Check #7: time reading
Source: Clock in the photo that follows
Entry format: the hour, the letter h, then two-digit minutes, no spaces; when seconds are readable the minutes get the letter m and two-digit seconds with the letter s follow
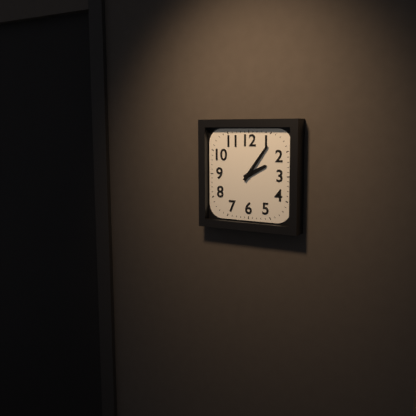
2h06
